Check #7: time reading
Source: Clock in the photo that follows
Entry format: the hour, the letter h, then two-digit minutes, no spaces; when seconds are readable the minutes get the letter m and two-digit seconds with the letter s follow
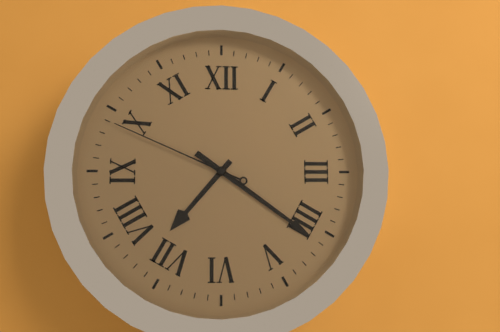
7h21m49s
